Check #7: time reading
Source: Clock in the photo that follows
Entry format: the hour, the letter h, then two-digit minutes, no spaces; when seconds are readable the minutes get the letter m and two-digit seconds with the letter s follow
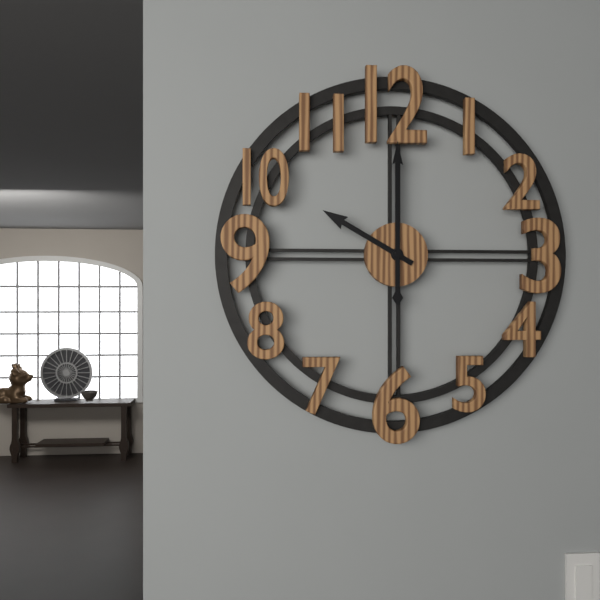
10h00
